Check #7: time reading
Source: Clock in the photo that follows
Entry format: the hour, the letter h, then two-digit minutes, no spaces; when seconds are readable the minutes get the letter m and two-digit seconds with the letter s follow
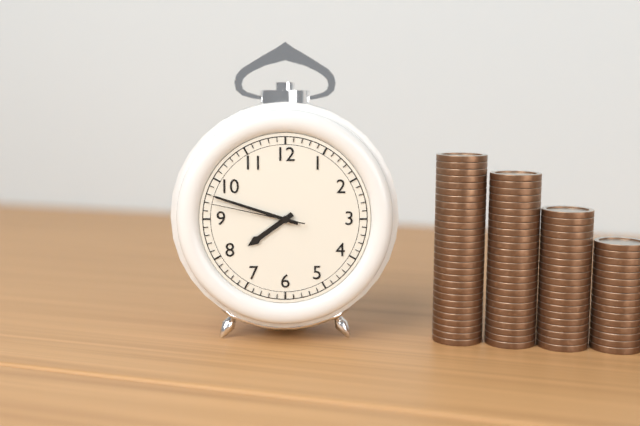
7h48m47s
